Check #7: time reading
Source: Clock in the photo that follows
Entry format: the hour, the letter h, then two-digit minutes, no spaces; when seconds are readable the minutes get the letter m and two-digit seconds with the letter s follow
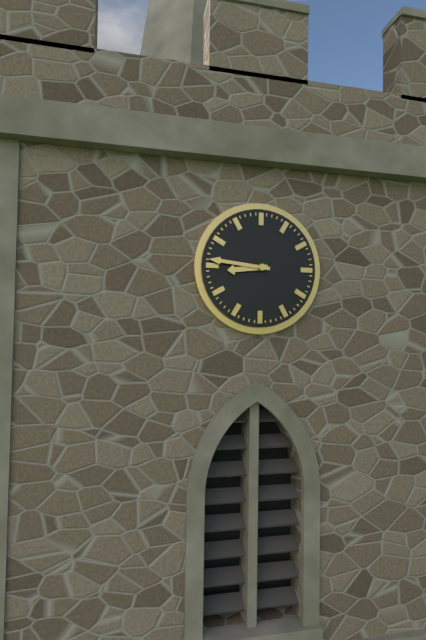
8h46
